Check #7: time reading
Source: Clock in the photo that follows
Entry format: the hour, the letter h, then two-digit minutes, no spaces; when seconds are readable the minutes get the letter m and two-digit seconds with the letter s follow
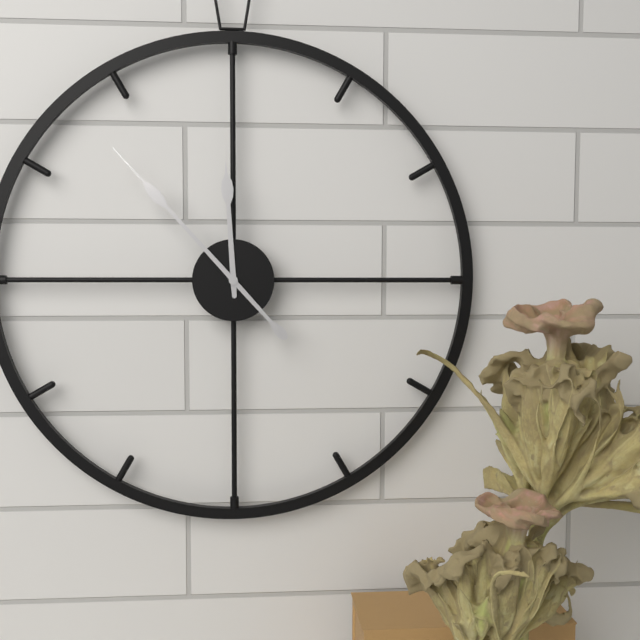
11h53
